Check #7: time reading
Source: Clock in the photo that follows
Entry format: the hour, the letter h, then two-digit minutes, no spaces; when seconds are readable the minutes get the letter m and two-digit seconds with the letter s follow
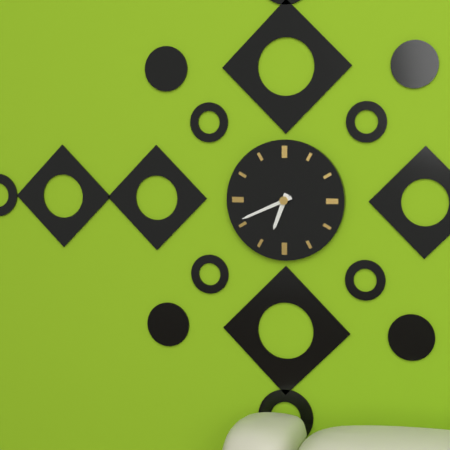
6h41
